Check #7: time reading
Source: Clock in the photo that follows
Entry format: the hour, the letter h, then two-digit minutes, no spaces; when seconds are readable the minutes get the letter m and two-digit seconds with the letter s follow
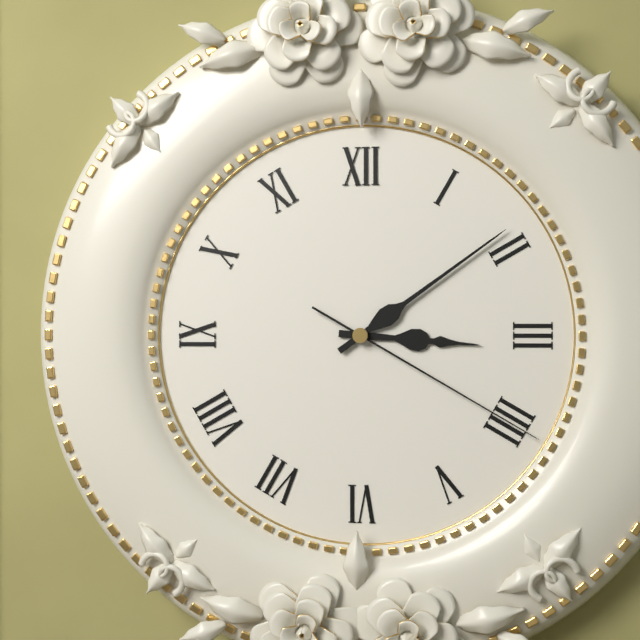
3h09m20s
